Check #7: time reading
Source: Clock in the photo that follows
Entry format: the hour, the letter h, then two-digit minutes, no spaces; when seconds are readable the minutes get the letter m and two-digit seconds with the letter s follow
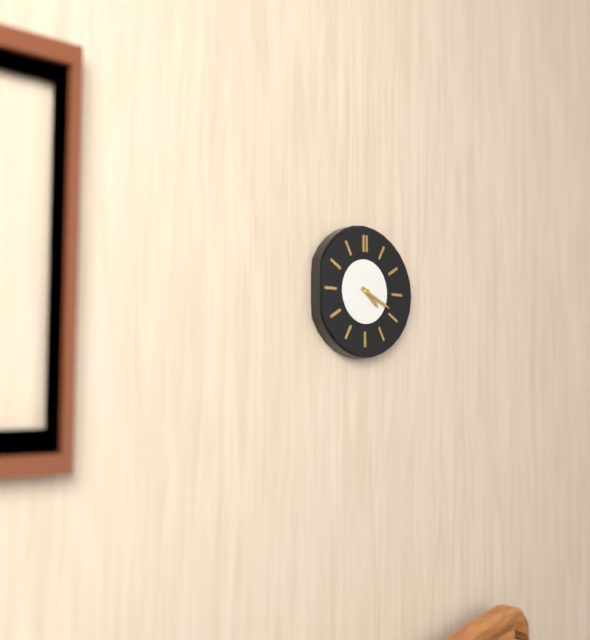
4h19
